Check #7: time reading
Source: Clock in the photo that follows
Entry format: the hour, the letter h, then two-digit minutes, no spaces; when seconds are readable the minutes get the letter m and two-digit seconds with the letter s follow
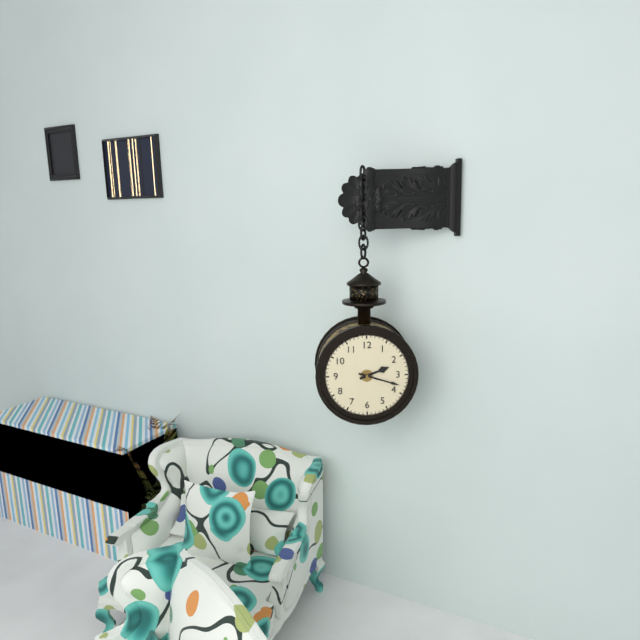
2h18
